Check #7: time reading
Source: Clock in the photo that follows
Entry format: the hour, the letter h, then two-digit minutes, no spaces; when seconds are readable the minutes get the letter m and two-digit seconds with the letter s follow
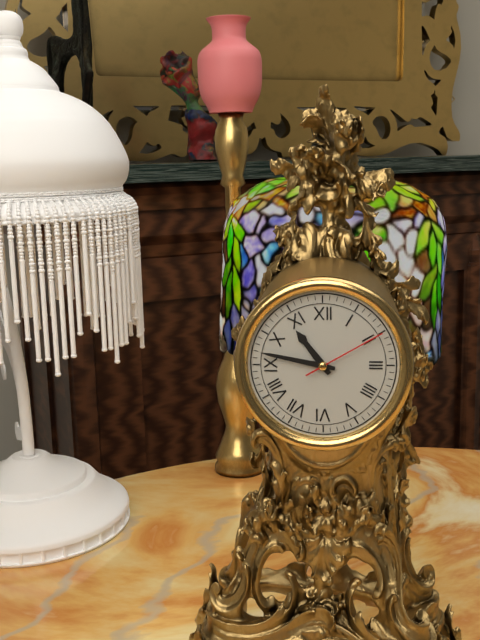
10h47m10s
